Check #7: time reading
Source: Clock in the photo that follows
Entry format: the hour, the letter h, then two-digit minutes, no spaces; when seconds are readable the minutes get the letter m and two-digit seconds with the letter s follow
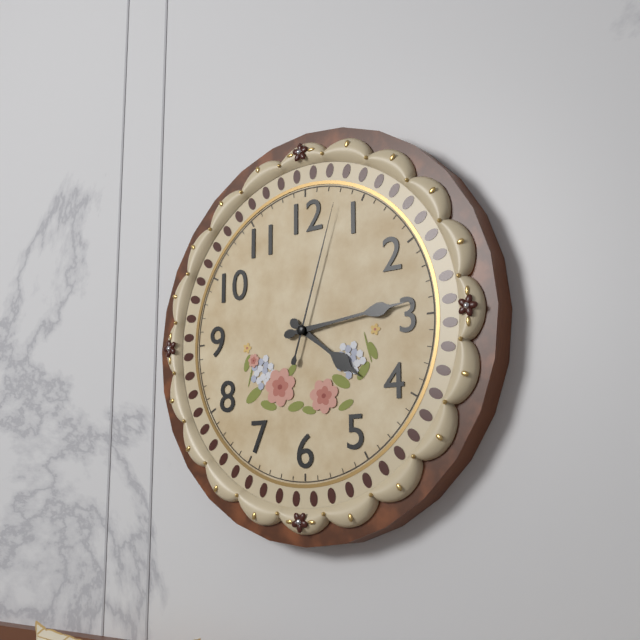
4h14m03s
